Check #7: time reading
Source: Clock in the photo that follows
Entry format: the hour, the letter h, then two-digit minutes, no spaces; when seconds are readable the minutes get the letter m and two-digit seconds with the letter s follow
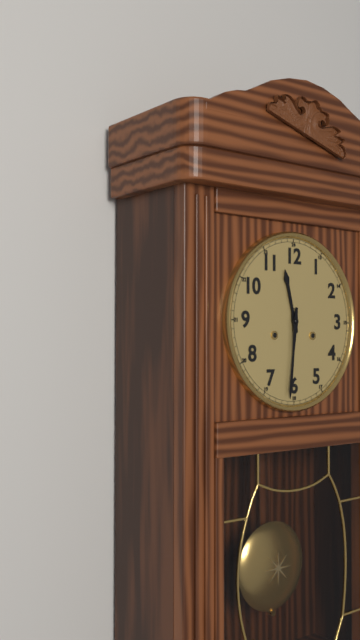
11h31
